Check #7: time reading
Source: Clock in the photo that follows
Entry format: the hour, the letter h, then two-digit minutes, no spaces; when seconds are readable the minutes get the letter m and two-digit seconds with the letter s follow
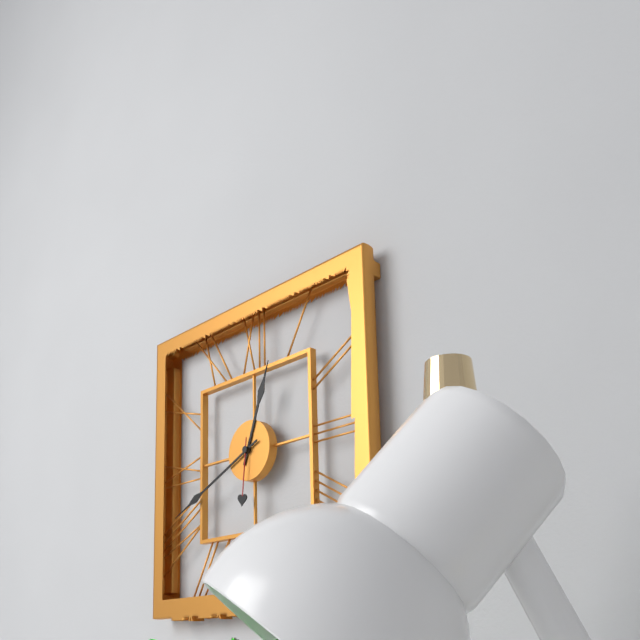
12h41m31s
